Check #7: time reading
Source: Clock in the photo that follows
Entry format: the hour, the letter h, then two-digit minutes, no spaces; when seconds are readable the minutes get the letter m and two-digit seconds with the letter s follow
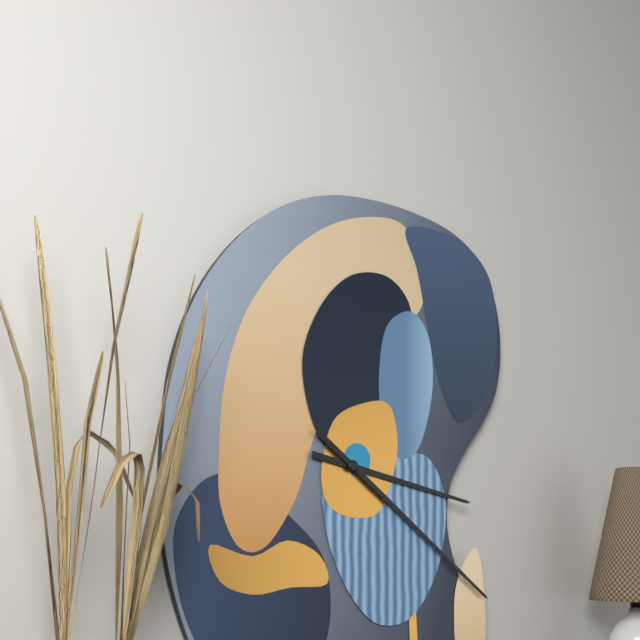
3h21
